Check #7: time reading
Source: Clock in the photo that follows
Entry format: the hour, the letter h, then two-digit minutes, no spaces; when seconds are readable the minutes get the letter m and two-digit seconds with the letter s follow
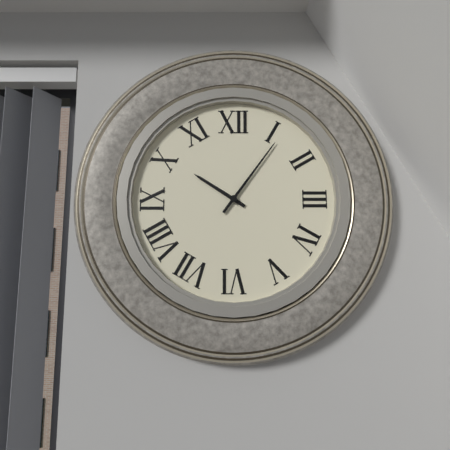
10h06
